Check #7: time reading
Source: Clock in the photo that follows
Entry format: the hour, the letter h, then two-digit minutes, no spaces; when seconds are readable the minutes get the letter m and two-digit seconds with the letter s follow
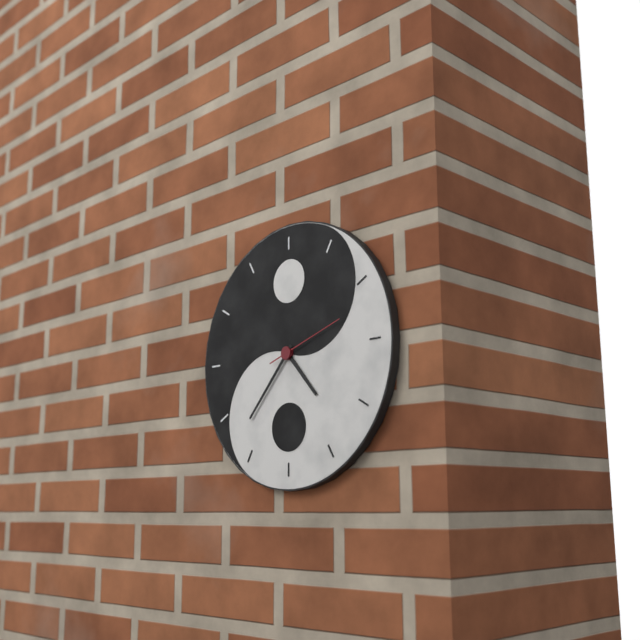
4h37m12s
